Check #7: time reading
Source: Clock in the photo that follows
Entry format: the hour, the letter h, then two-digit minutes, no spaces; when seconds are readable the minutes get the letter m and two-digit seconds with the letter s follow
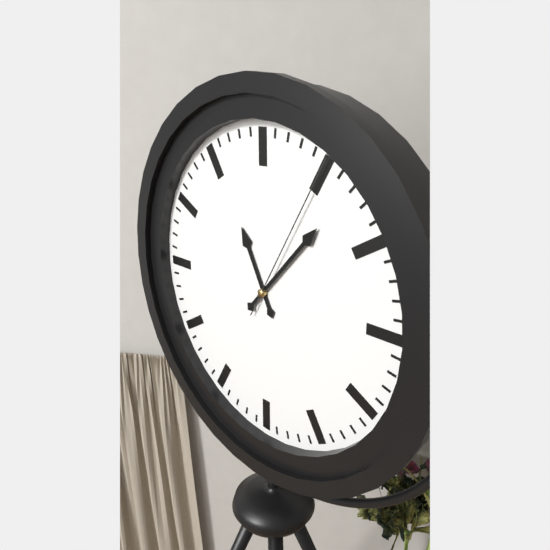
11h07m05s
